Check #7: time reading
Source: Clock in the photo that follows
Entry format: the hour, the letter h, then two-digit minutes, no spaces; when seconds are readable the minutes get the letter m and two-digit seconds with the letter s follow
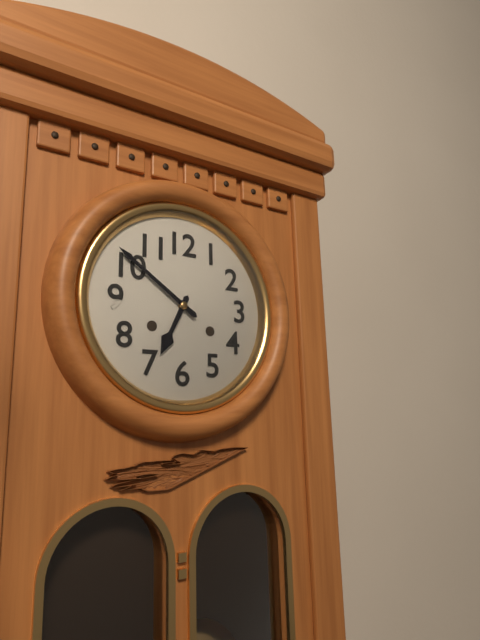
6h51
